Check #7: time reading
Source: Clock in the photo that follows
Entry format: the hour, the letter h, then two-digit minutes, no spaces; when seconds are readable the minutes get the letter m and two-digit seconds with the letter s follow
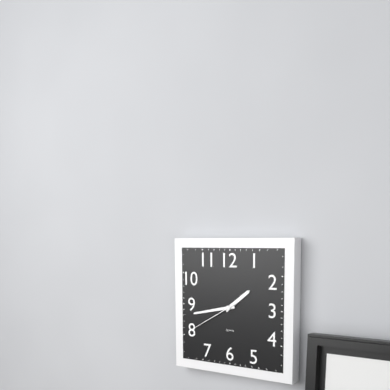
1h43m40s
